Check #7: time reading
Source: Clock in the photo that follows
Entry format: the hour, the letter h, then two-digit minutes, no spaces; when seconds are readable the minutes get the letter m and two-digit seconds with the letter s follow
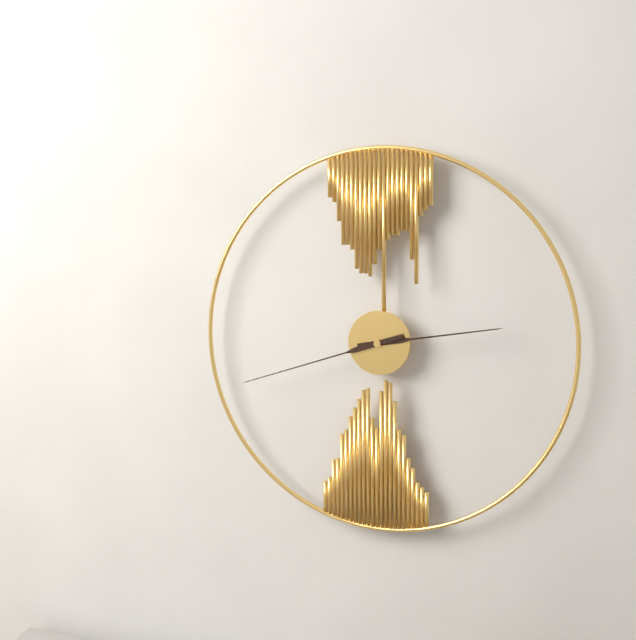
2h42
